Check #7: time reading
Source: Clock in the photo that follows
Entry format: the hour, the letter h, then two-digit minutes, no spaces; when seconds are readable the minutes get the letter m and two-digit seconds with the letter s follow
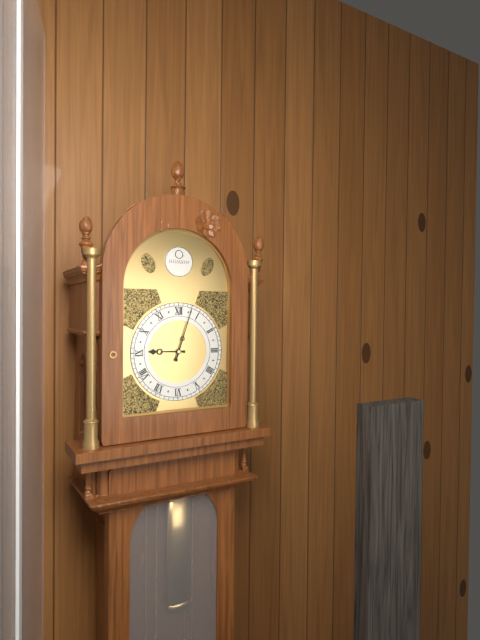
9h03
